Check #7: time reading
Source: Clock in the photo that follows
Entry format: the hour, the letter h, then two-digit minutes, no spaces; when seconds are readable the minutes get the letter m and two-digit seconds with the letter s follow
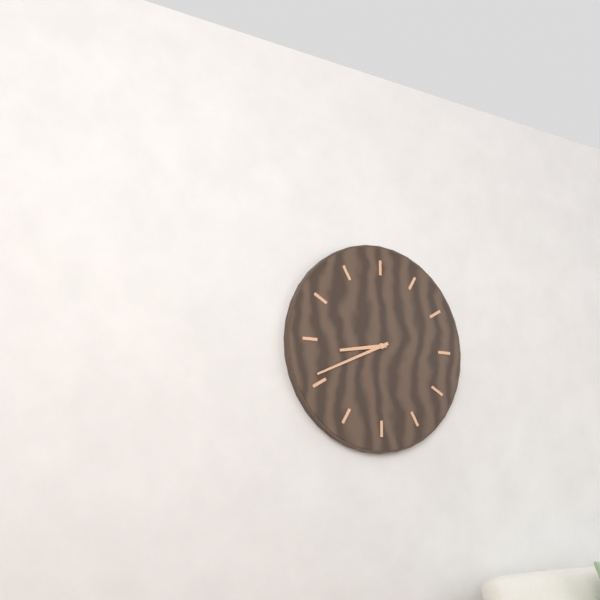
8h41
